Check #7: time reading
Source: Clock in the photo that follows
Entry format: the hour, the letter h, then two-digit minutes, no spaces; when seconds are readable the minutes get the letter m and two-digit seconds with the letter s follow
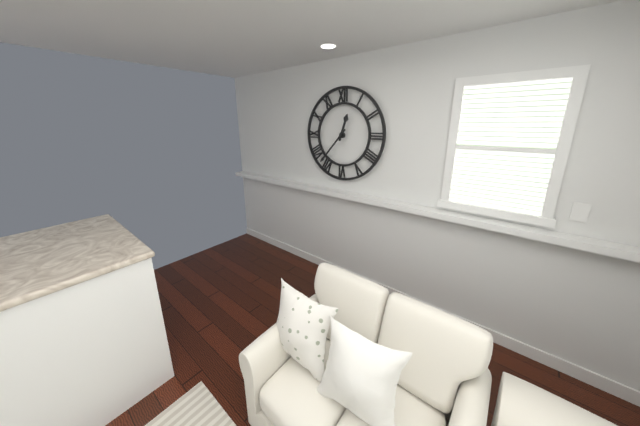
12h37
